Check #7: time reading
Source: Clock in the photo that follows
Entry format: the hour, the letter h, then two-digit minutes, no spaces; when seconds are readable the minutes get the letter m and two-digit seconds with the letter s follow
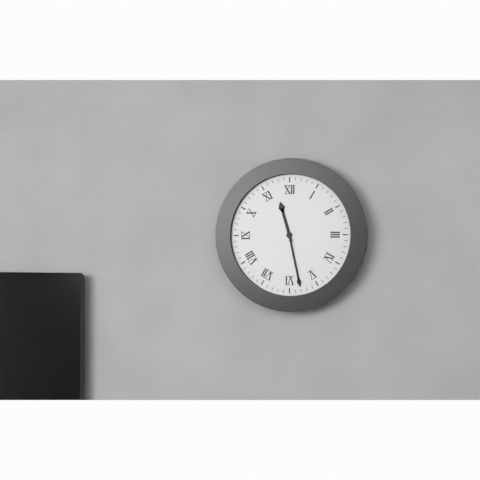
11h28
